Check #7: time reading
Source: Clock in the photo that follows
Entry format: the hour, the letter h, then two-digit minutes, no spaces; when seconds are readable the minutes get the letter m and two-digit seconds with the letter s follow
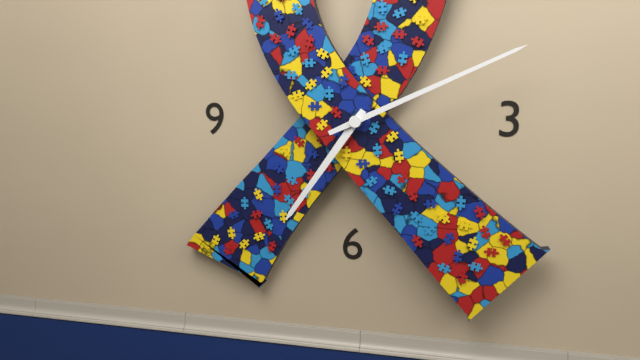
7h11
